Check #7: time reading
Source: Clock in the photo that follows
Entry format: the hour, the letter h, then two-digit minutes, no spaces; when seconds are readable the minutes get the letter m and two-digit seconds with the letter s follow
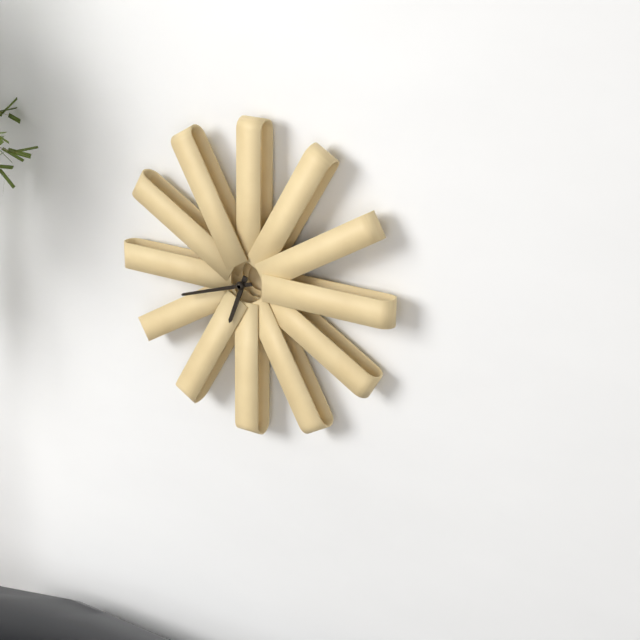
6h42
